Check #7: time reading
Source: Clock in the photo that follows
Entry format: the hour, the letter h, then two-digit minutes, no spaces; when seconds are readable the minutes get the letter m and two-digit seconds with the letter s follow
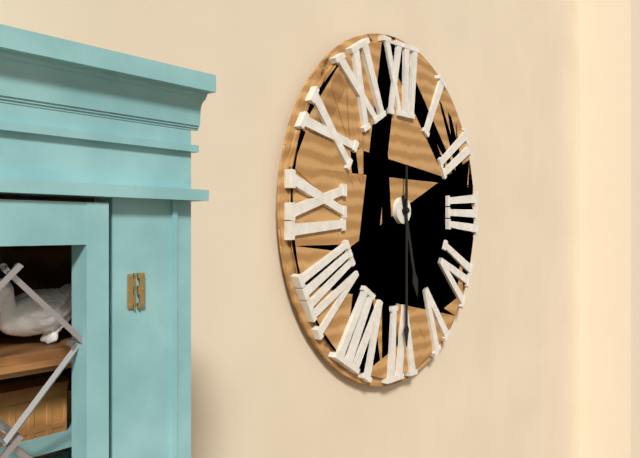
5h30
